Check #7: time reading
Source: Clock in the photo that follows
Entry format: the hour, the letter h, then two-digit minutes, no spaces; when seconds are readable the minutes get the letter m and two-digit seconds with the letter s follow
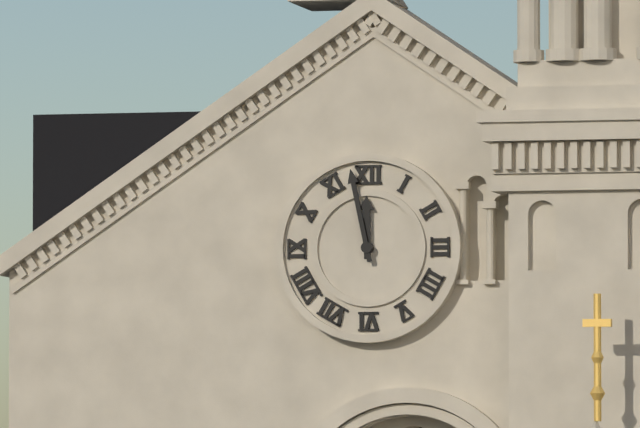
11h58
